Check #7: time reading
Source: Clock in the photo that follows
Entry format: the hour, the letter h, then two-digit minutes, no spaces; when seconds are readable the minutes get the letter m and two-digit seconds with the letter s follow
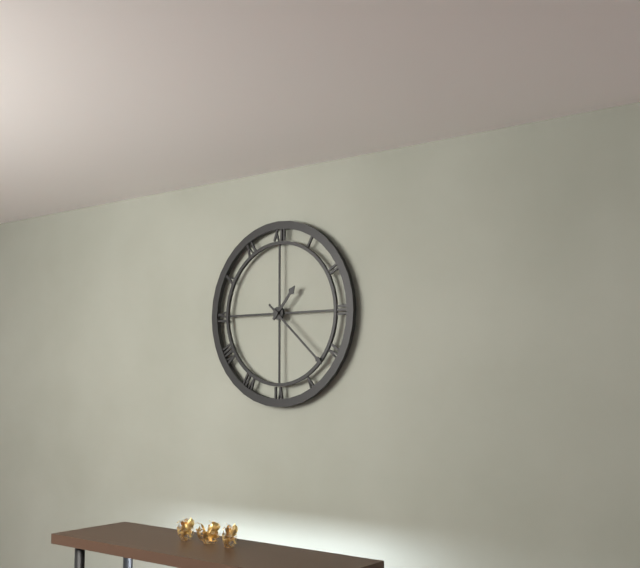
1h22
